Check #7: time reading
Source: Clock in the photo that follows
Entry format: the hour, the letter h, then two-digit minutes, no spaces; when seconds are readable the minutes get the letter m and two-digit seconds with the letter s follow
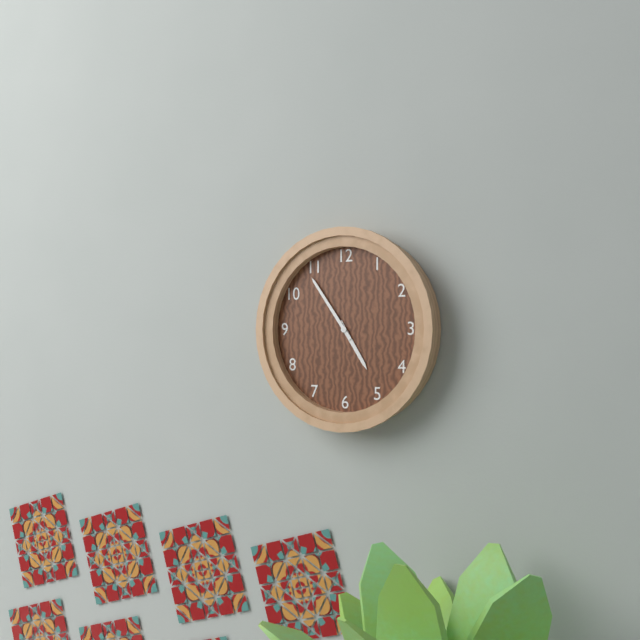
4h54
